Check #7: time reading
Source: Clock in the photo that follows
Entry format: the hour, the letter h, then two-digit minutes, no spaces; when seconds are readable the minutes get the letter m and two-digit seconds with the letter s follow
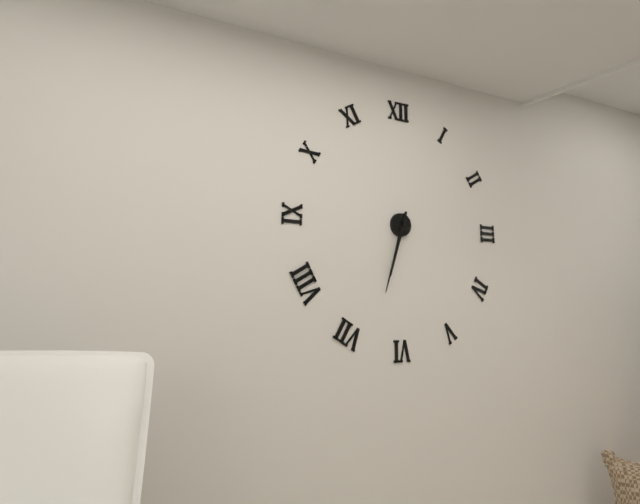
6h33
